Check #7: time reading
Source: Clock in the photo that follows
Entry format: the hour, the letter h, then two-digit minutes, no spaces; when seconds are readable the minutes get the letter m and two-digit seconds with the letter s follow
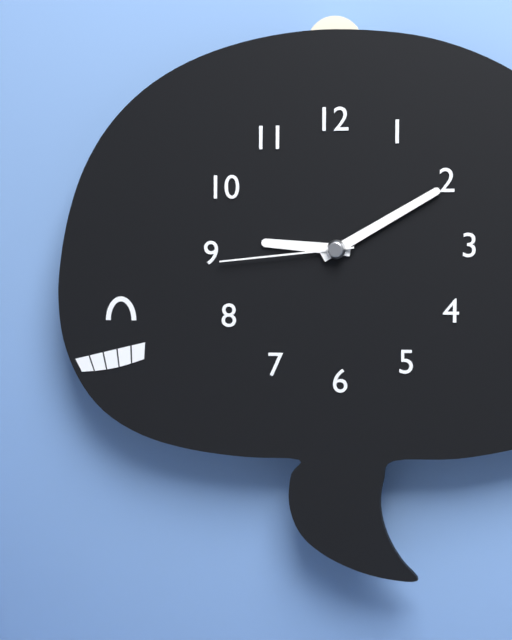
9h10m44s
